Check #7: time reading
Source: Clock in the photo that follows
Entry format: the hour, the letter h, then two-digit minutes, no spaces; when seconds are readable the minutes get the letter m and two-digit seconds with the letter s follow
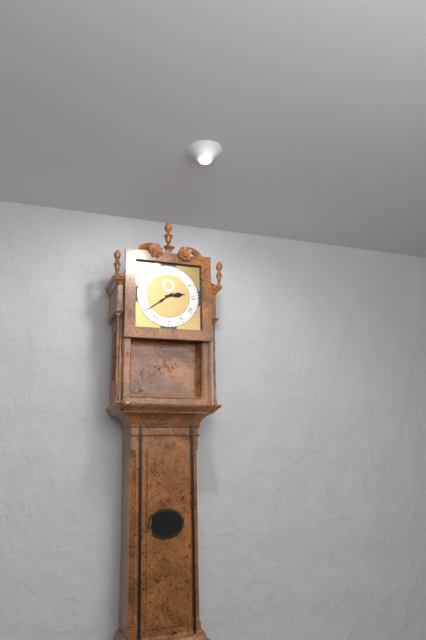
2h39
